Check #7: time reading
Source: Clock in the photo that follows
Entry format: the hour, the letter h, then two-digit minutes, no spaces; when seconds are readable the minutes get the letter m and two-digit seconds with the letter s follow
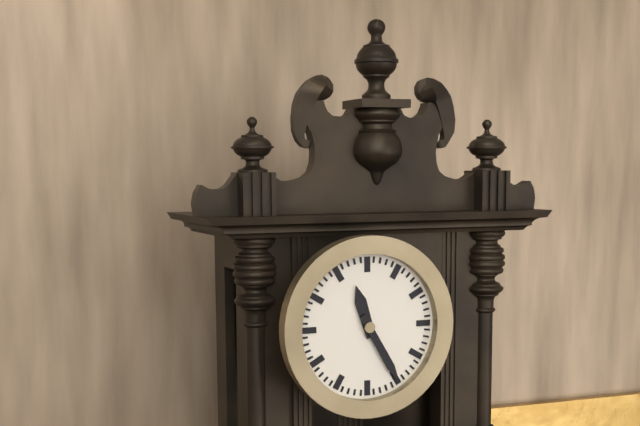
11h25
